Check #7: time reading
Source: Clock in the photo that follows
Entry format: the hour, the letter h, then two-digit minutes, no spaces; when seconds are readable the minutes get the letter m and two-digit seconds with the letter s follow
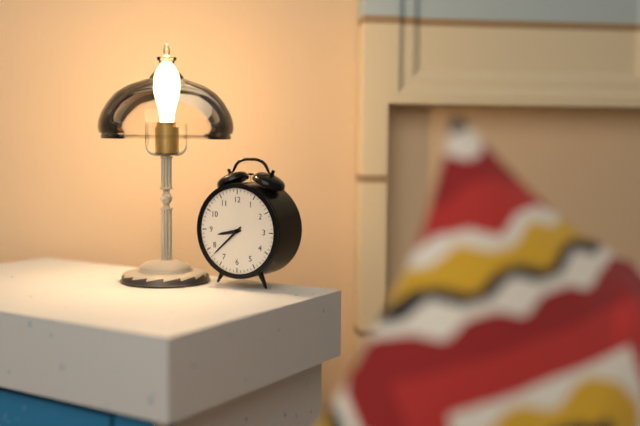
8h38
